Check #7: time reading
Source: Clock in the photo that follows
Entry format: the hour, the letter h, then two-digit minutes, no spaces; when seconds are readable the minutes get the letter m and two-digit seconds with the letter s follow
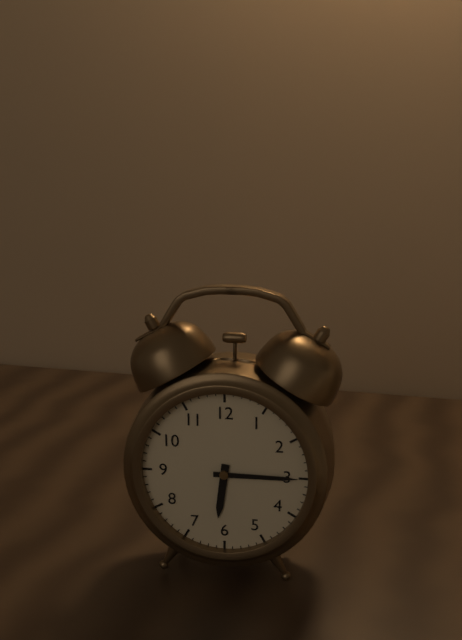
6h15
